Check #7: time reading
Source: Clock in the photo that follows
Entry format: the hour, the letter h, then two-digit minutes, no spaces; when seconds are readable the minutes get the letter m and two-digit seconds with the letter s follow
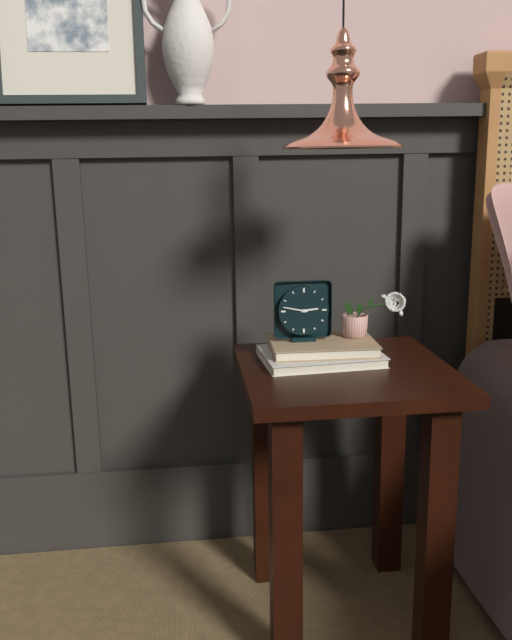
2h47
